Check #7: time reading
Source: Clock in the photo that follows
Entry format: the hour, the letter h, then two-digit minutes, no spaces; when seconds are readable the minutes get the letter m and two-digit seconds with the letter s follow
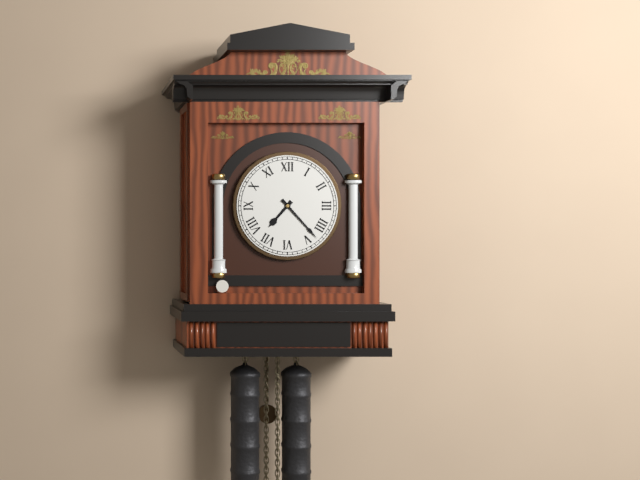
7h23
